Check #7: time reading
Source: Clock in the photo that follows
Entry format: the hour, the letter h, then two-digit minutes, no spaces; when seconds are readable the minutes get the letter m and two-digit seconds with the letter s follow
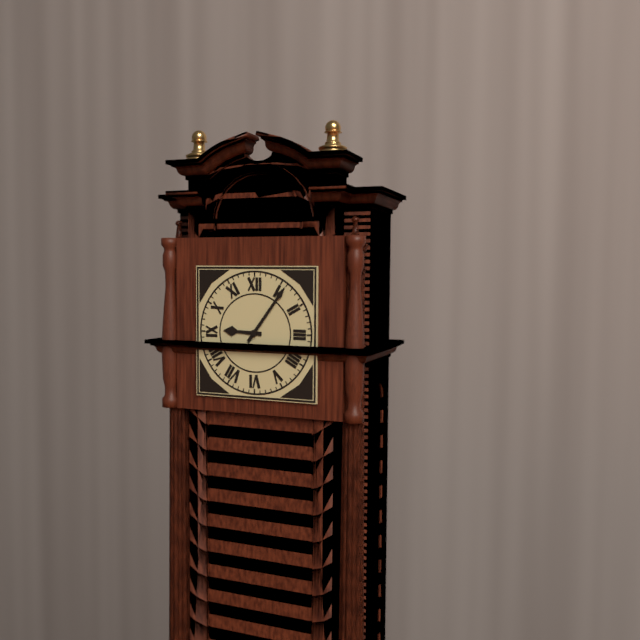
9h06
